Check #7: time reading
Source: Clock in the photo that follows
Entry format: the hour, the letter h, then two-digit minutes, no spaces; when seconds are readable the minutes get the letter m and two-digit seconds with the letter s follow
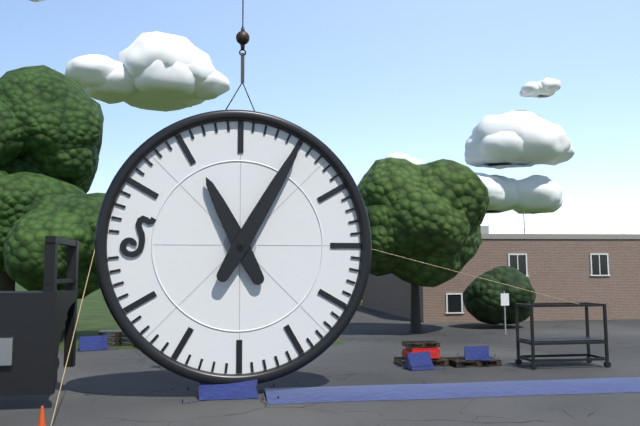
11h05
